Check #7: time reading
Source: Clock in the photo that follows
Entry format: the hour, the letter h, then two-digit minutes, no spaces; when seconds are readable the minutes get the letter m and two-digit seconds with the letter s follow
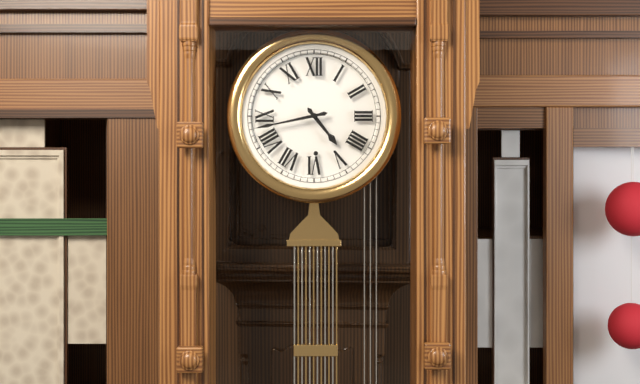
4h43
